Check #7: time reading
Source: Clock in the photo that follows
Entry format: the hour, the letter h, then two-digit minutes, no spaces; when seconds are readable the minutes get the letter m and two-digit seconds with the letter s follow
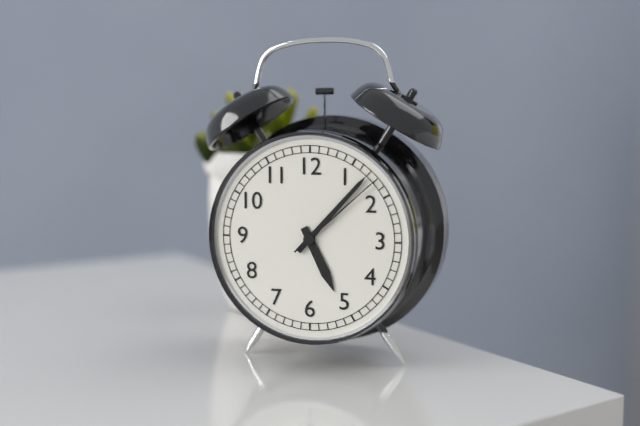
5h07m08s
